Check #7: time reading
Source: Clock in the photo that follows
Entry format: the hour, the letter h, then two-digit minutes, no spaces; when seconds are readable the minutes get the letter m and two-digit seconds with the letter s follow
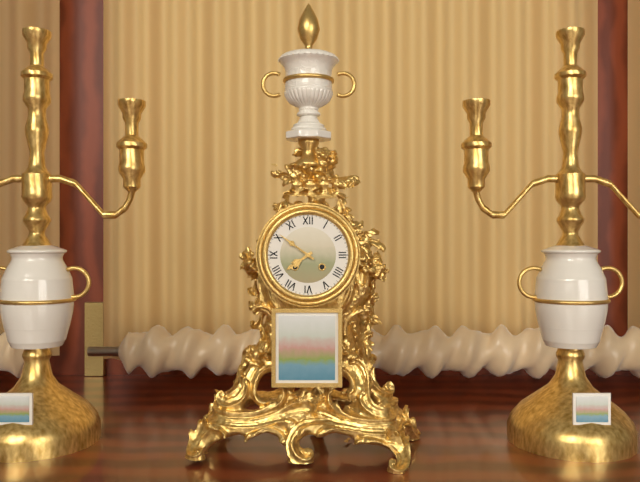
7h51
